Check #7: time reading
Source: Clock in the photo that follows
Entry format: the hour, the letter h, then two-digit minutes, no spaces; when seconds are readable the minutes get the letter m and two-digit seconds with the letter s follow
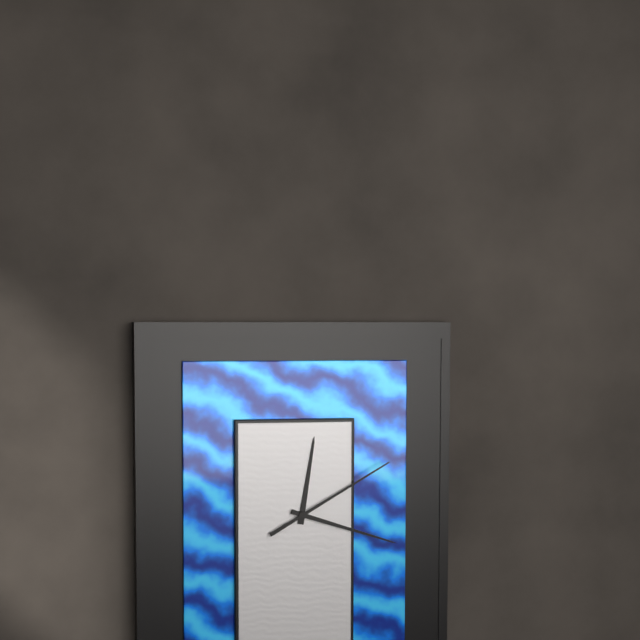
12h18m10s
